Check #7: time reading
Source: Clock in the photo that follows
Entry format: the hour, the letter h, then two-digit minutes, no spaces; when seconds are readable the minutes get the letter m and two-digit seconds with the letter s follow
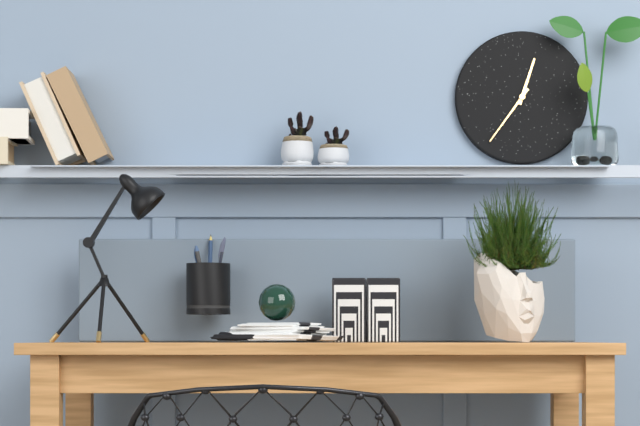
12h36
